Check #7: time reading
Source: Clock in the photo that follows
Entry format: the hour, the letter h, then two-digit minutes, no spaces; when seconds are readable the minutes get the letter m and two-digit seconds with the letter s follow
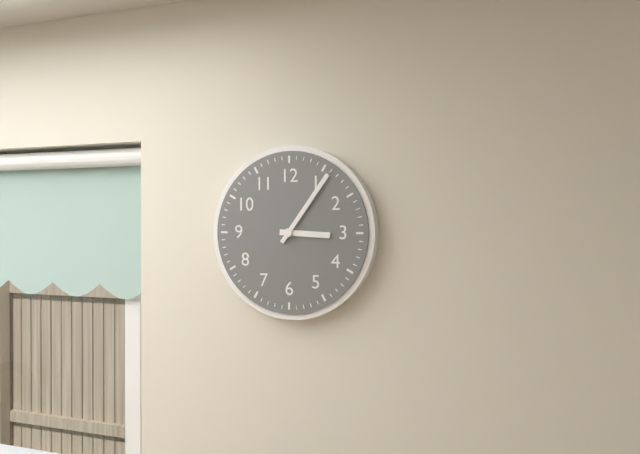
3h06
